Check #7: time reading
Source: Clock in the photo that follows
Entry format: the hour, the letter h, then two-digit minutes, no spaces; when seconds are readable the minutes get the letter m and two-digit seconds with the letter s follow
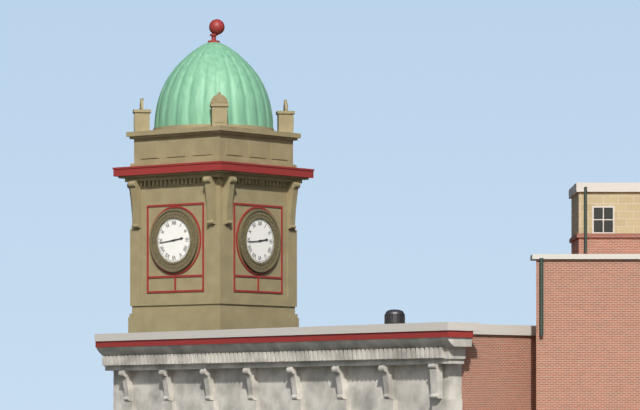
2h44
